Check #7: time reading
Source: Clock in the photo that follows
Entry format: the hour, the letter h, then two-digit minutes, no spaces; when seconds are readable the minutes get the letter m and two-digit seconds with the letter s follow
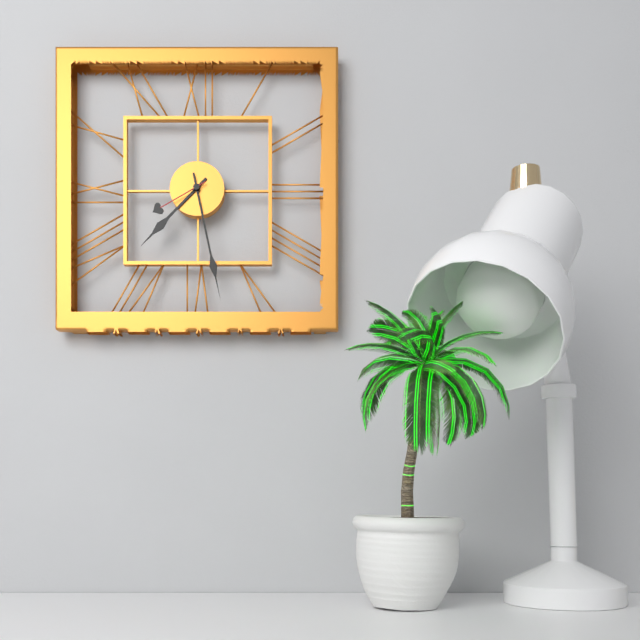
7h28m40s
